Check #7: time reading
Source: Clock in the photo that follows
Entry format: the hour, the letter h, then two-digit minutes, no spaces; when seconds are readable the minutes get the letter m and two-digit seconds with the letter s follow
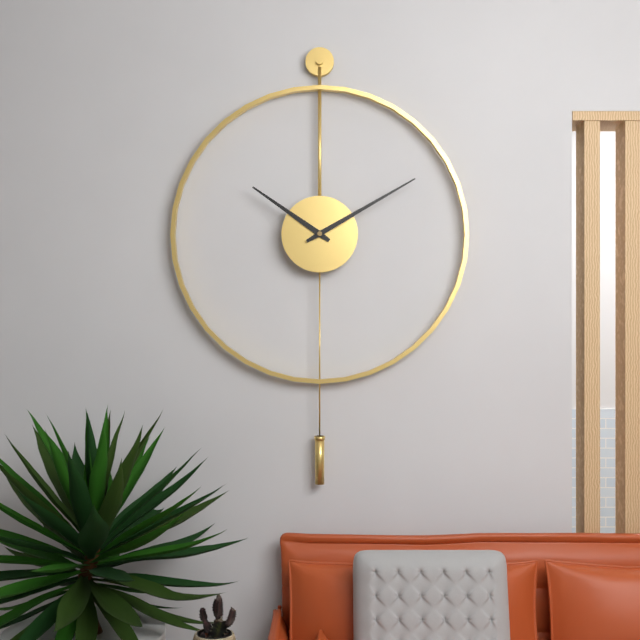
10h10
